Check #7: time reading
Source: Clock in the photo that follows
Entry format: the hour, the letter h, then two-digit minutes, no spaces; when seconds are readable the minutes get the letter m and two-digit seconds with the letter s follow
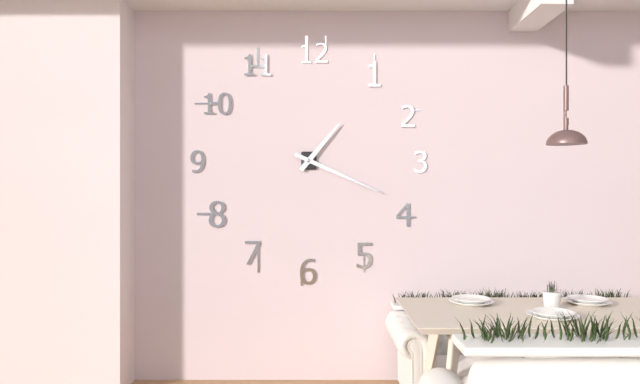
1h19
